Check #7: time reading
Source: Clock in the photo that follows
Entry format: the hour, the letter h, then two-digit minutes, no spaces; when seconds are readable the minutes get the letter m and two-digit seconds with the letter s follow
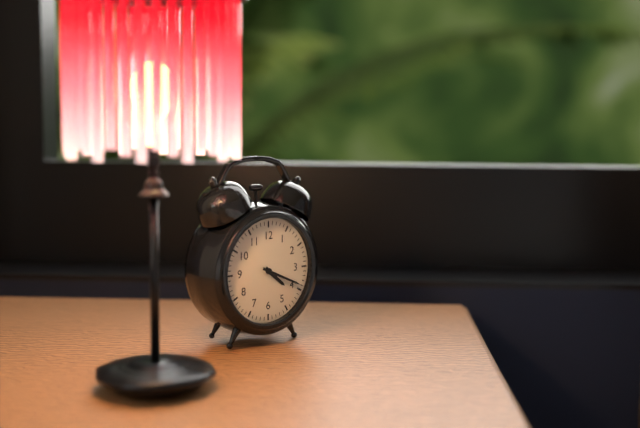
4h19
